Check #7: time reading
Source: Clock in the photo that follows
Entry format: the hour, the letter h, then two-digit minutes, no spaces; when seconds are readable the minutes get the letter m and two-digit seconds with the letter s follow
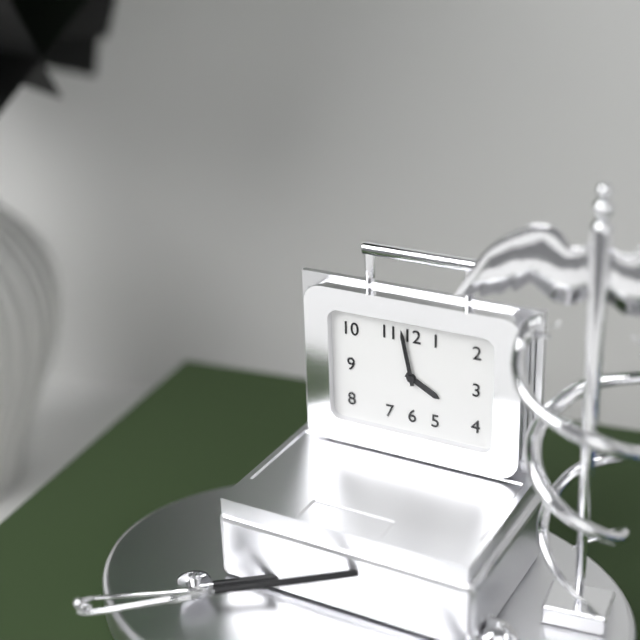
3h58
